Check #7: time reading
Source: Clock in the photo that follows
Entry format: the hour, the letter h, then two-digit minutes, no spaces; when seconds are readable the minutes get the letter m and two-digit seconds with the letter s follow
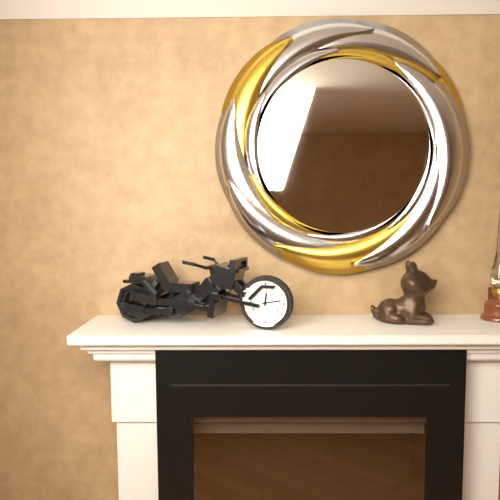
12h13
